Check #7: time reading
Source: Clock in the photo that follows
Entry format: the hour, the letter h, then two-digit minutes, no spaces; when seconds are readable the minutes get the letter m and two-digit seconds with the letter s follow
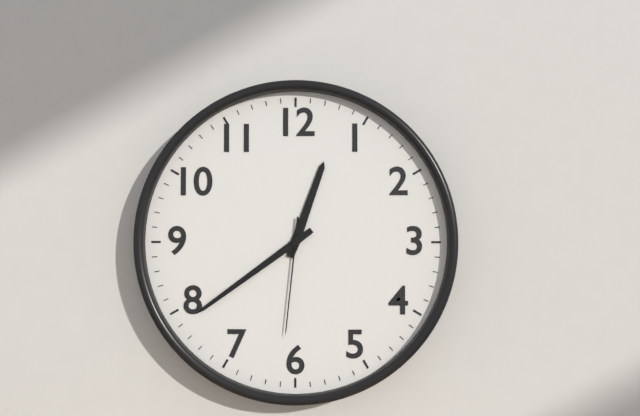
12h39m31s
